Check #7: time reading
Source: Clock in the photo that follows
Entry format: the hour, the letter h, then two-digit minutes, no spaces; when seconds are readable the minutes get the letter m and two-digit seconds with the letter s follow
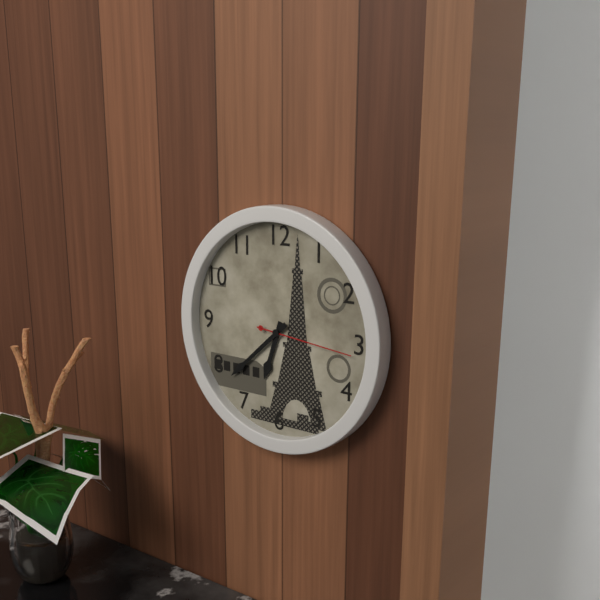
6h38m16s
